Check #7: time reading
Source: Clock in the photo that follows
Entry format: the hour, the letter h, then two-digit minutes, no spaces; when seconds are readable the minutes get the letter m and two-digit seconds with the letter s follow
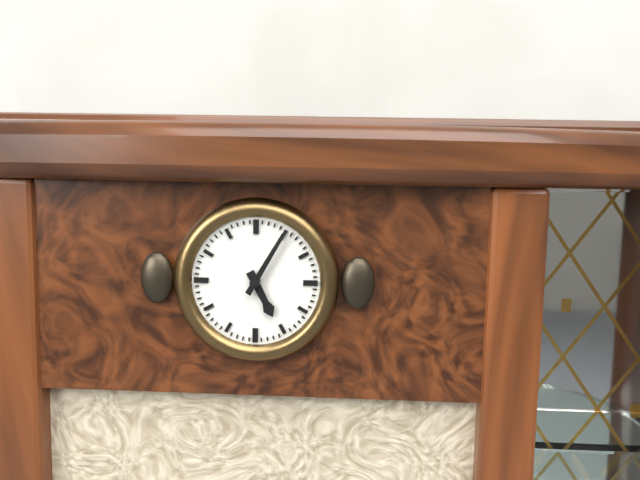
5h05
